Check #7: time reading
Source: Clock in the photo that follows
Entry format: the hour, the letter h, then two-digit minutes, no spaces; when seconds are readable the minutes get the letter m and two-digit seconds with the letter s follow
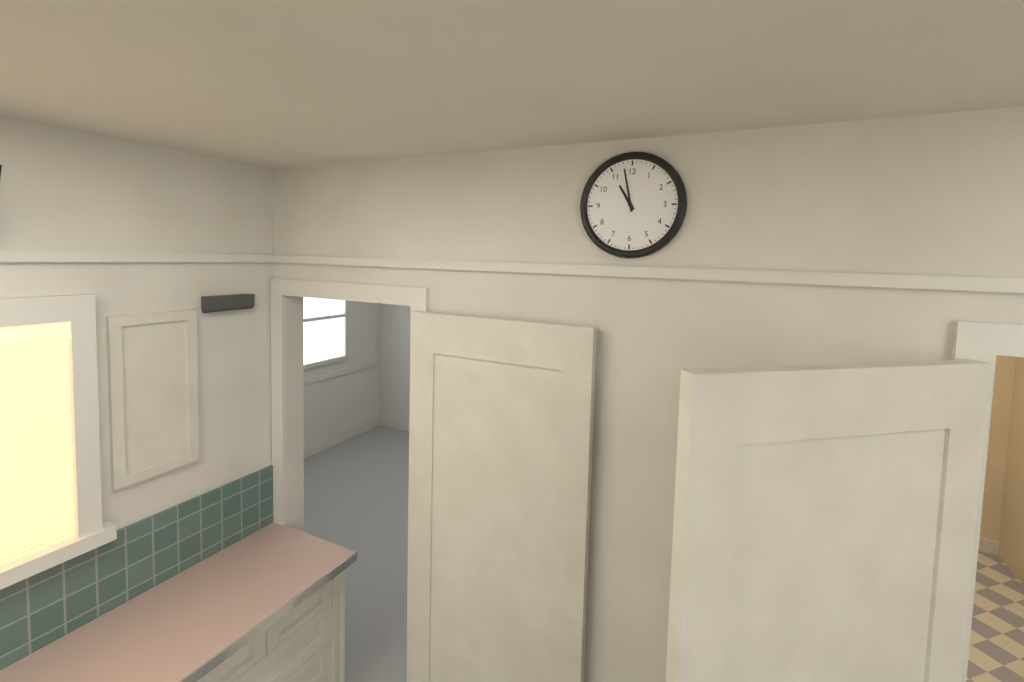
10h58
